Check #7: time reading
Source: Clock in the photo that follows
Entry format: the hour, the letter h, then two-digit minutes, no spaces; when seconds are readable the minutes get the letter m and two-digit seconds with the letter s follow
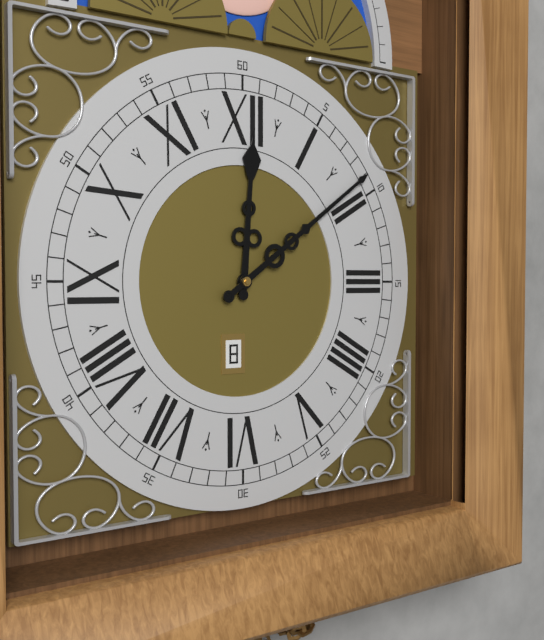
12h09
